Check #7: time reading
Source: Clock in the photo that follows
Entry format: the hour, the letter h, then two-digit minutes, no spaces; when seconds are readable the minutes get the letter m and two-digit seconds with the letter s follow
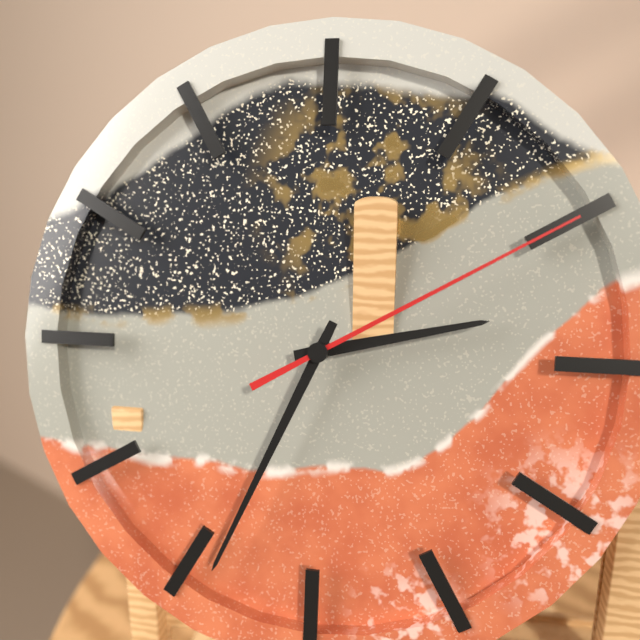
2h34m10s
